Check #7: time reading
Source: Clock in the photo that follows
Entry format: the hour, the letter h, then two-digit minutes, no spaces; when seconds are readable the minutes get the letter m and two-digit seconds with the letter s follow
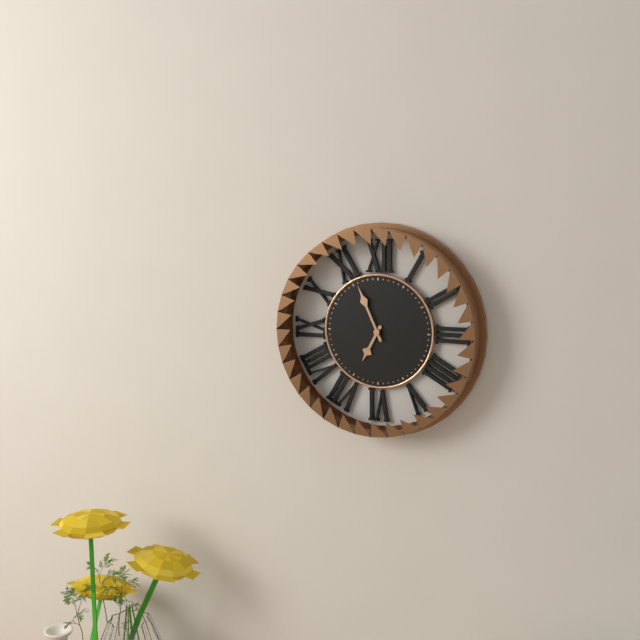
6h56
